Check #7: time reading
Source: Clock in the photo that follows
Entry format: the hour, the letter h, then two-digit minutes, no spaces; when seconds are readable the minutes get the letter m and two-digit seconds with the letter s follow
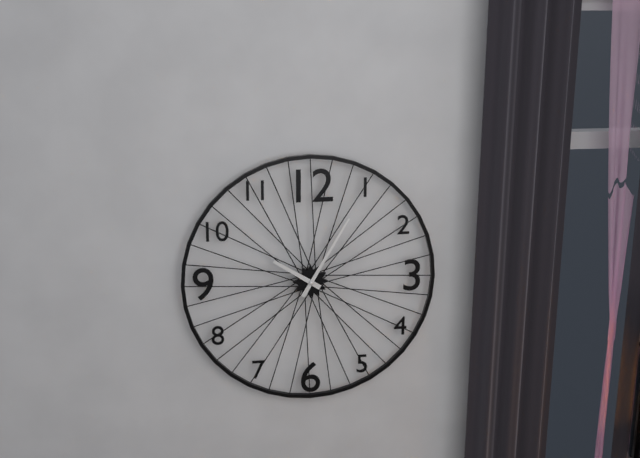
10h05
